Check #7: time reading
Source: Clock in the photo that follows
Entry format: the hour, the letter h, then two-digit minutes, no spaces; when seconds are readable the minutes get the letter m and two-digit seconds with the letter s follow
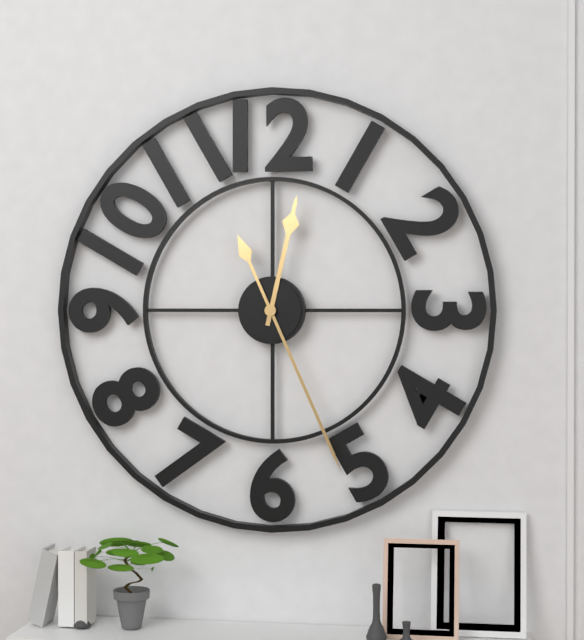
12h26
